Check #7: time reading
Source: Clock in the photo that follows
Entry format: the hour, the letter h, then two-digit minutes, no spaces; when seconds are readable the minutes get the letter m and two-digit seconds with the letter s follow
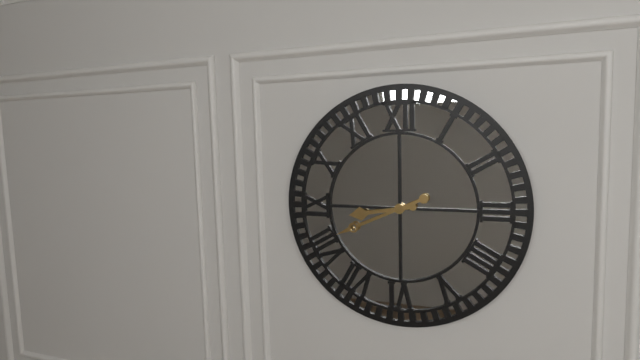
8h41
